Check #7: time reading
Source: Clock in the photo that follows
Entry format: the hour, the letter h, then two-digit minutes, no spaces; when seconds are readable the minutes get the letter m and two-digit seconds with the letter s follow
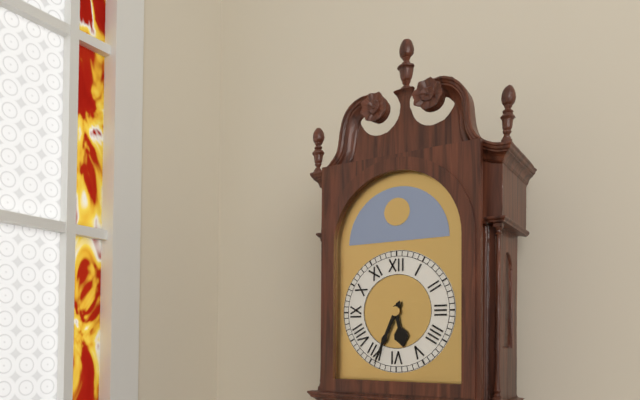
5h34
